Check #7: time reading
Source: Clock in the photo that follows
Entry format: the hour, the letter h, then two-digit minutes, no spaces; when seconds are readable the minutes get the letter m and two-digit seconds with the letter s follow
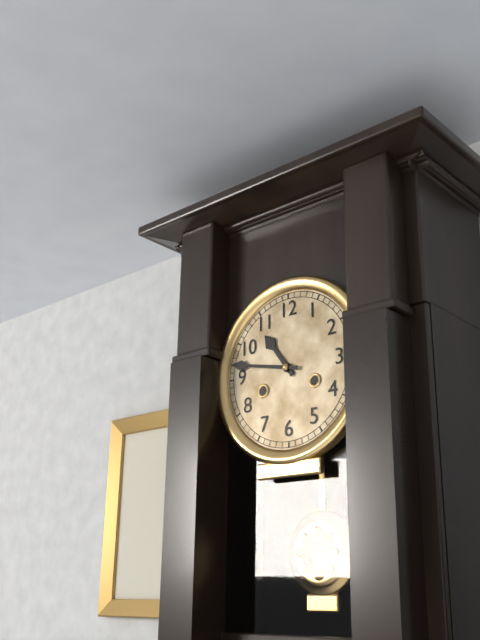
10h47
